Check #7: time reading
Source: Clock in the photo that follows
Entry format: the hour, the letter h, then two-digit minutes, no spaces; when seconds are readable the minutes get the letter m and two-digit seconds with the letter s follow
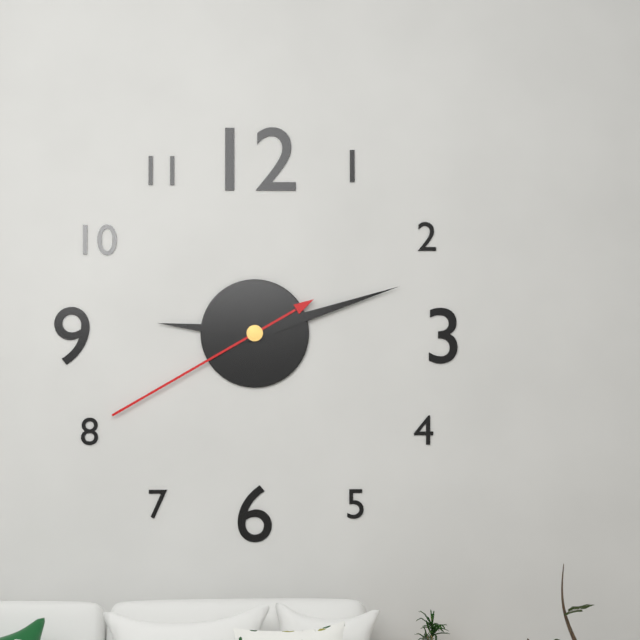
9h12m40s
